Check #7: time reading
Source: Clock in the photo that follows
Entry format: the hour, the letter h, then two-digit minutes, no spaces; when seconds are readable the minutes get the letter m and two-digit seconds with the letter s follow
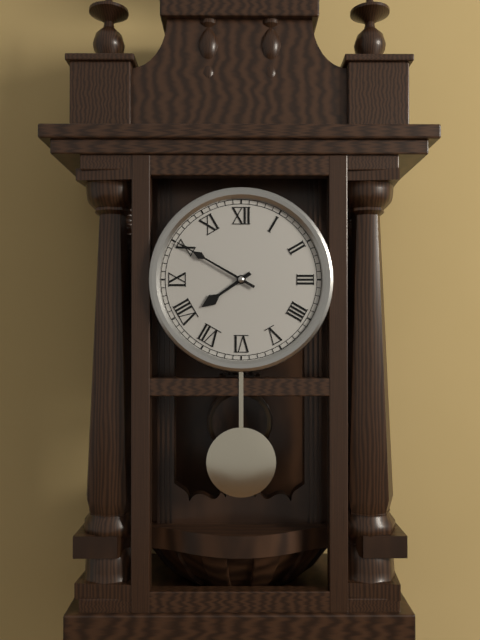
7h50
